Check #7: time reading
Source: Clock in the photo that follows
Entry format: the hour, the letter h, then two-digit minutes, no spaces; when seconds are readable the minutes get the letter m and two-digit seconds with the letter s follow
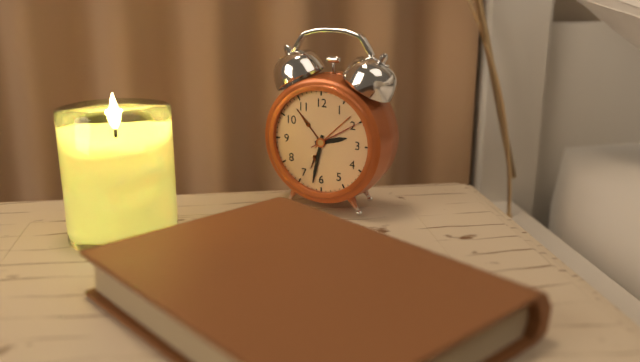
2h32m10s
